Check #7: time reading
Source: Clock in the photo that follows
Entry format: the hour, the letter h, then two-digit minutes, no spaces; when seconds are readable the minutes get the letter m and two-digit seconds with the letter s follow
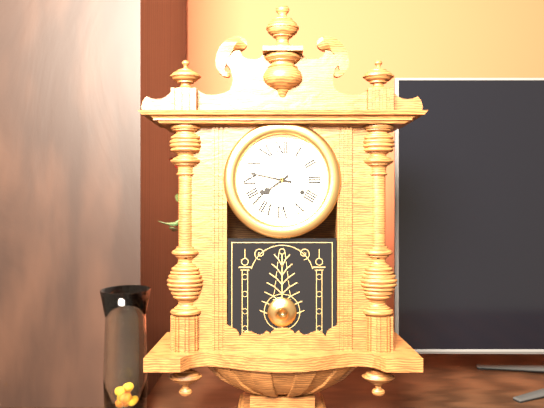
7h47
